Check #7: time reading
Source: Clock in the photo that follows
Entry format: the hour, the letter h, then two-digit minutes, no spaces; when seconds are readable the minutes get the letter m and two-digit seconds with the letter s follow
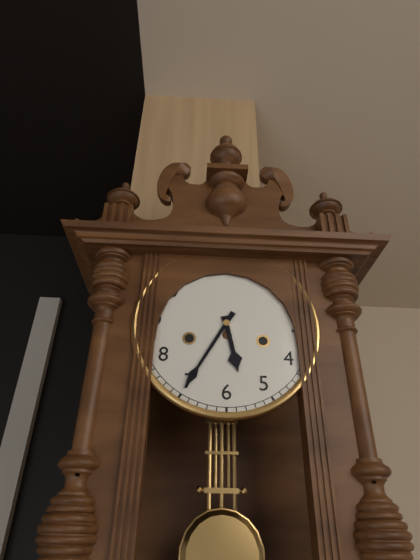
5h35
